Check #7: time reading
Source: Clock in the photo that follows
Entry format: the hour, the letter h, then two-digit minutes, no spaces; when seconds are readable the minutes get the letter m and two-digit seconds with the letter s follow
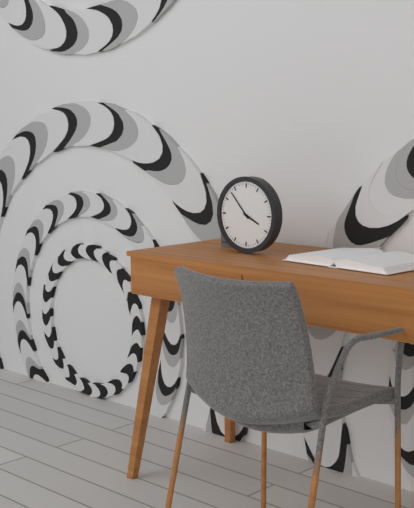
3h53
